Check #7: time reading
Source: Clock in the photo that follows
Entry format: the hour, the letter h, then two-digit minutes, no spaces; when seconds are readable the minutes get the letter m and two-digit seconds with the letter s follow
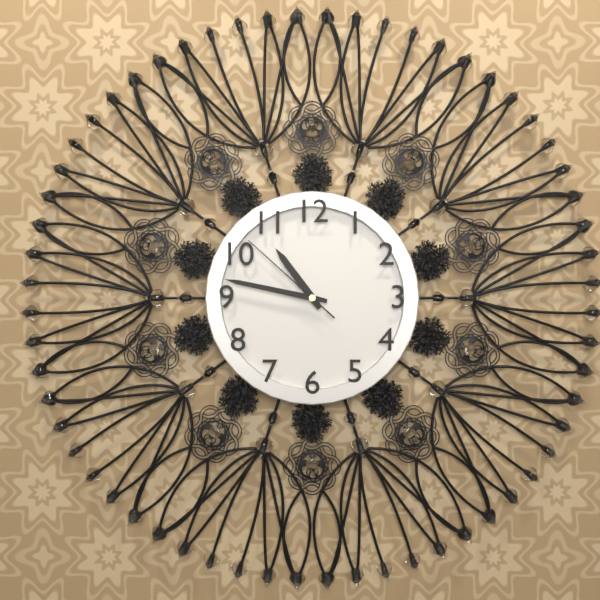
10h47m52s
